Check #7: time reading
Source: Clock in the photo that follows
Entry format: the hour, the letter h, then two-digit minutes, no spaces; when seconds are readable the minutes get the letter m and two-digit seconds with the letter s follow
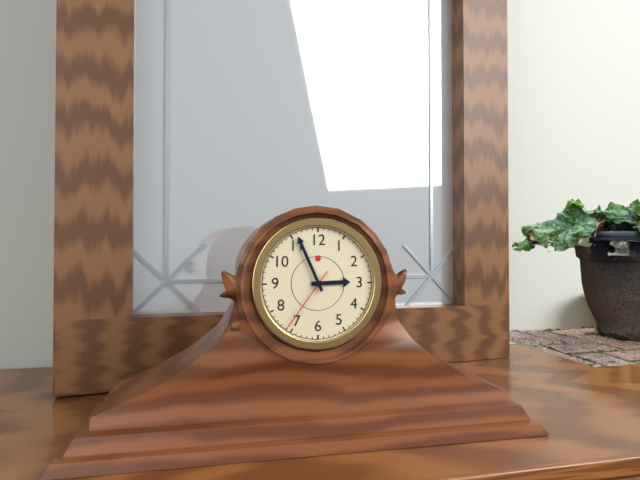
2h56m36s
